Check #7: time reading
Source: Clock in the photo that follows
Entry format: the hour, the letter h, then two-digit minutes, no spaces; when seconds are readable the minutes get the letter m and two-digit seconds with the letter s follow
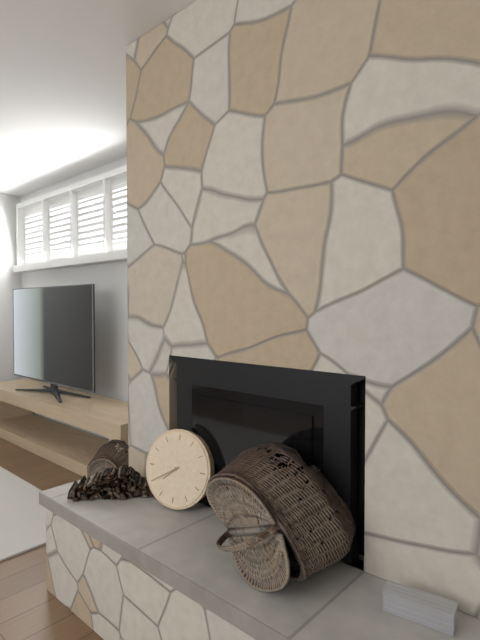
7h40
